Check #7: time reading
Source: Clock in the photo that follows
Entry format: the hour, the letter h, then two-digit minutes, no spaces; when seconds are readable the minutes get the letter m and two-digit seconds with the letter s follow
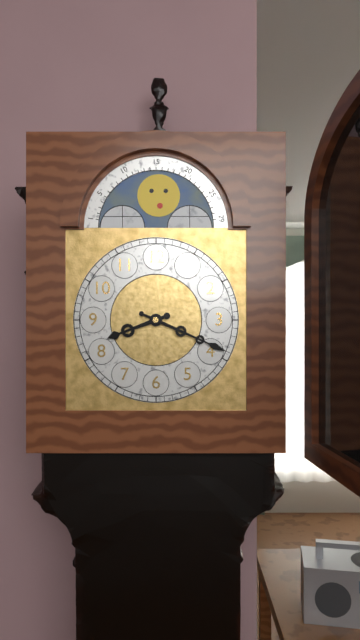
8h19
